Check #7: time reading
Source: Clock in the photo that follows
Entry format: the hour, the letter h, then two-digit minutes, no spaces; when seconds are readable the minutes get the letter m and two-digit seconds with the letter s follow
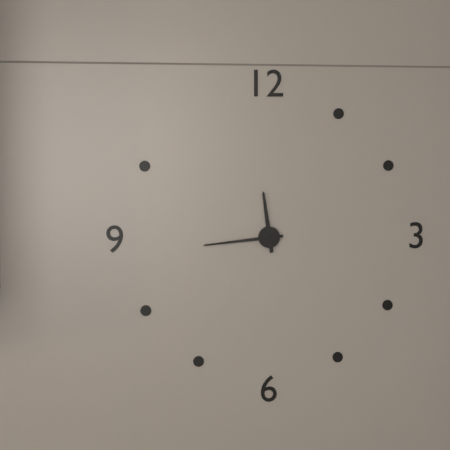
11h44
